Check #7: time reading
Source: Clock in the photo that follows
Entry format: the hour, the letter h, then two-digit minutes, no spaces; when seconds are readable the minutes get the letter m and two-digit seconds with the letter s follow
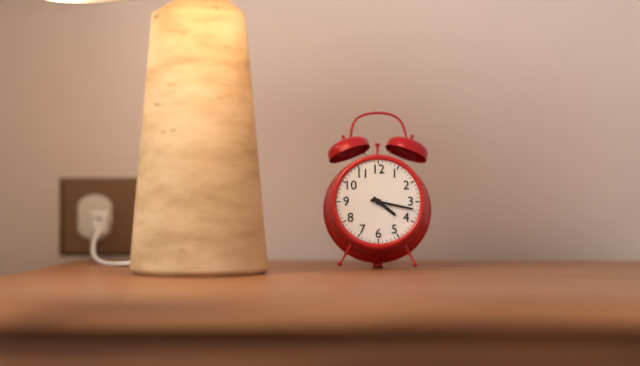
4h17
